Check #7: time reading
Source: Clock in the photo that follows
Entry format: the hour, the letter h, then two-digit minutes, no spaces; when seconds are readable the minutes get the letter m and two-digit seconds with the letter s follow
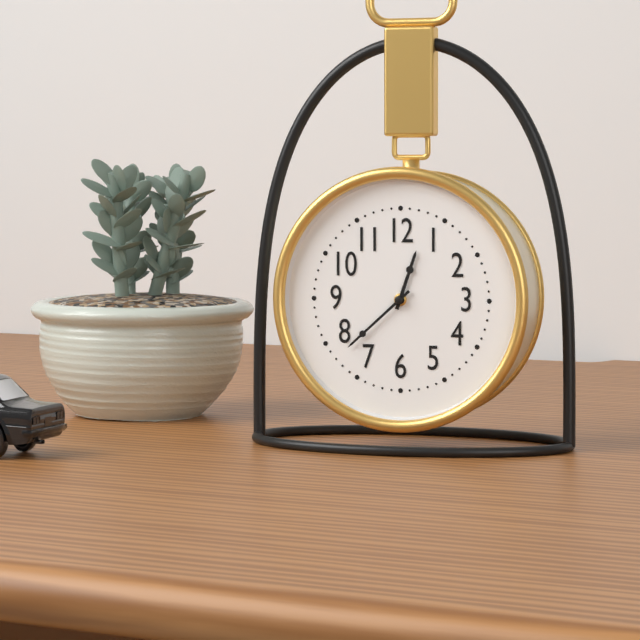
12h38
